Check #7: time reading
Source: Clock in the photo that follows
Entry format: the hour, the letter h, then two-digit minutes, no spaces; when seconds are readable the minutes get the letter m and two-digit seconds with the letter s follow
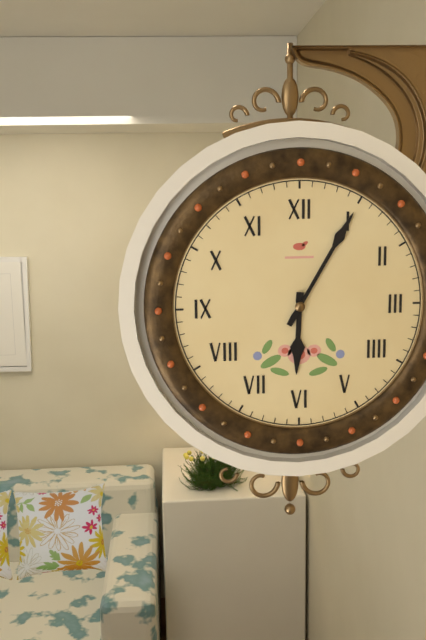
6h05
